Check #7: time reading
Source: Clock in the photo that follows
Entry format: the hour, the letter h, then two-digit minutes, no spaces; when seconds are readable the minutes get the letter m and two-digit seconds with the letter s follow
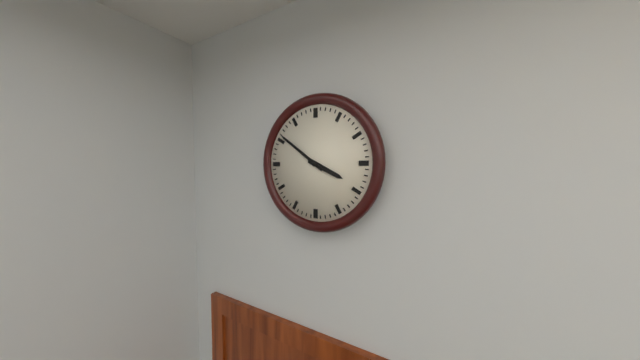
3h51
